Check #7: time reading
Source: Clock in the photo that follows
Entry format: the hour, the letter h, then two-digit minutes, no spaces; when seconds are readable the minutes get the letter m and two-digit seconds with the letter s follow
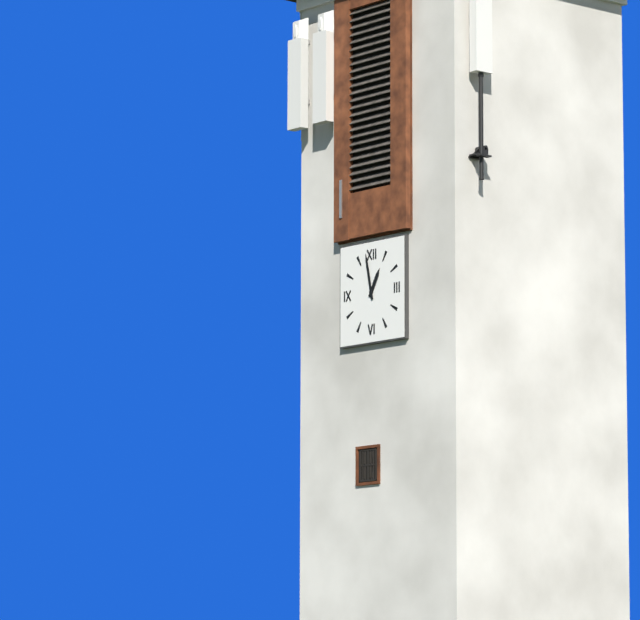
12h58
